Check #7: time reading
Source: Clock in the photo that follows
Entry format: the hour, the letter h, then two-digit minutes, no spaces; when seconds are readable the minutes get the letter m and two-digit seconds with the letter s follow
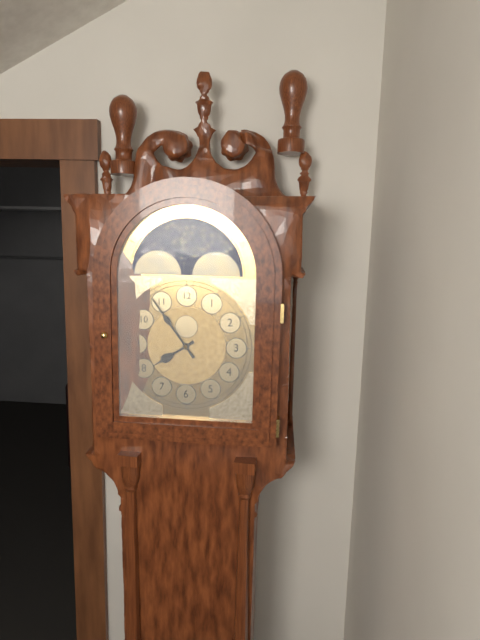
7h54
